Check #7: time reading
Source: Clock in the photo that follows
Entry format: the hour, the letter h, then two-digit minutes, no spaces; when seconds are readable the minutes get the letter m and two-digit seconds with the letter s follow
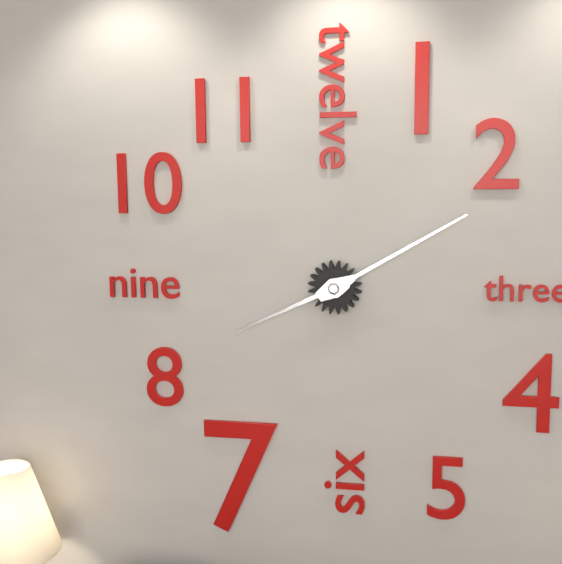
8h10
